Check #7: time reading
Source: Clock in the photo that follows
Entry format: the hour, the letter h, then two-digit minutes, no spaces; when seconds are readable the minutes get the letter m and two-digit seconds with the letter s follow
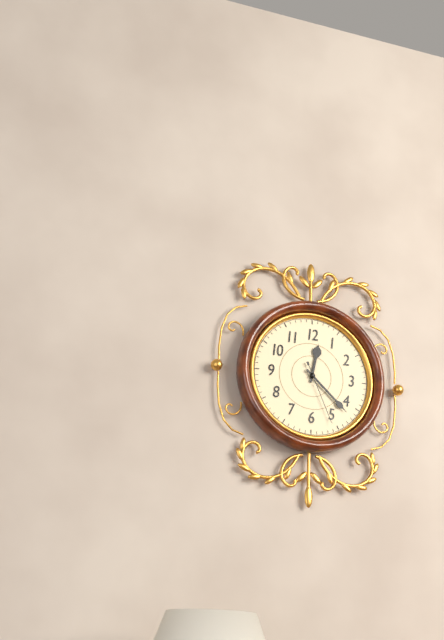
12h22m26s
